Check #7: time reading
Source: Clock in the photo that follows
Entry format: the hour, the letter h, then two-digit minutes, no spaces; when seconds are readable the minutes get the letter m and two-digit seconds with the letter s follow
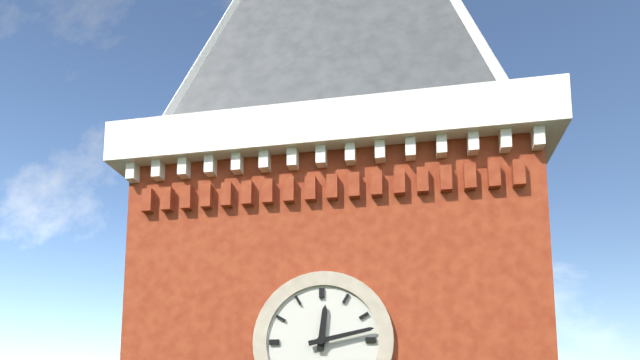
12h13
